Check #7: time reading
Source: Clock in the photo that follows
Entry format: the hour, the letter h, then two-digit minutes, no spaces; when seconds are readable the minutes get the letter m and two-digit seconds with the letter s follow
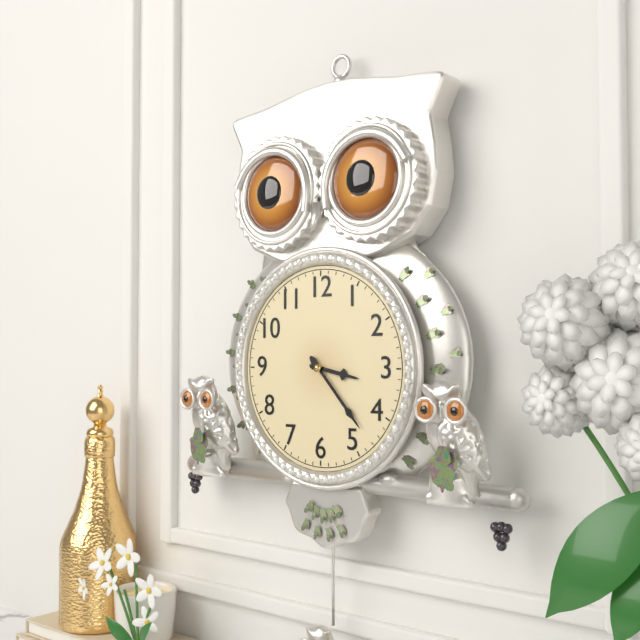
3h23
